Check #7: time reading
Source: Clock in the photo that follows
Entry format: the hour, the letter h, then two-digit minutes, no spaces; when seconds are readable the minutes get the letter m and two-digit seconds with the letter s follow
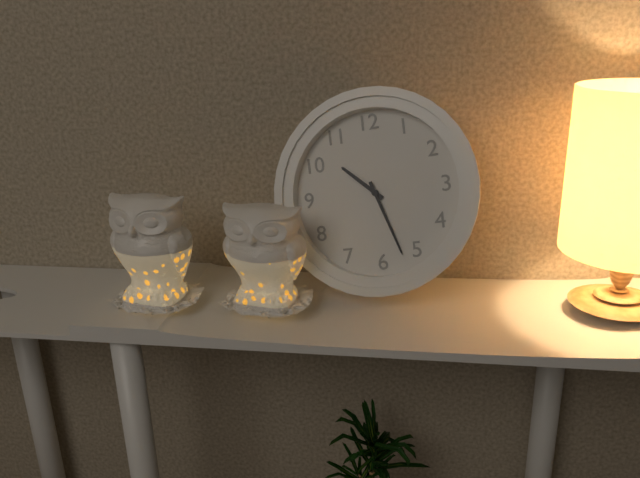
10h27
